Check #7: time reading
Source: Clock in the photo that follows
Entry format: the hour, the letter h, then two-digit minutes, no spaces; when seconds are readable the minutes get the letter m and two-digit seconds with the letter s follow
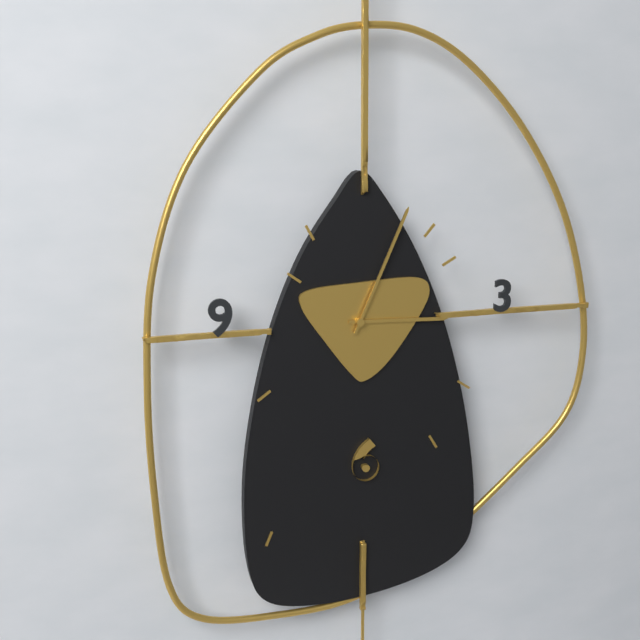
3h04
